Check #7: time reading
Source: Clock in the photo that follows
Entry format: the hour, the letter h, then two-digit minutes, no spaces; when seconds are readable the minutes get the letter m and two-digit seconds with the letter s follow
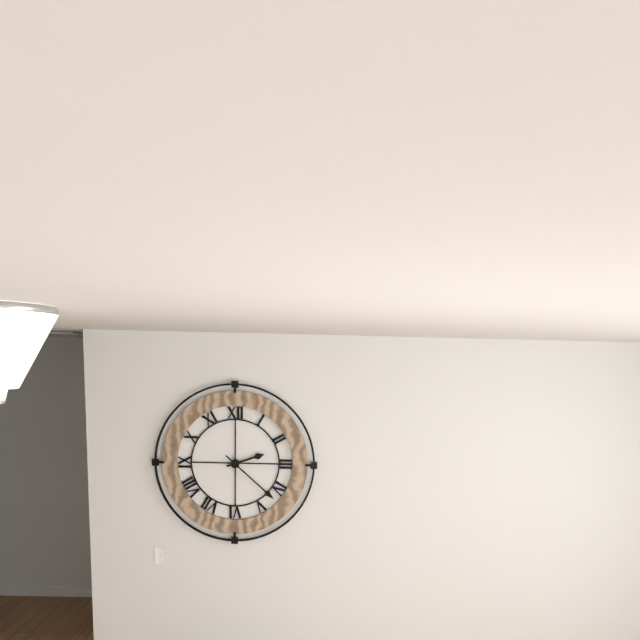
2h22
